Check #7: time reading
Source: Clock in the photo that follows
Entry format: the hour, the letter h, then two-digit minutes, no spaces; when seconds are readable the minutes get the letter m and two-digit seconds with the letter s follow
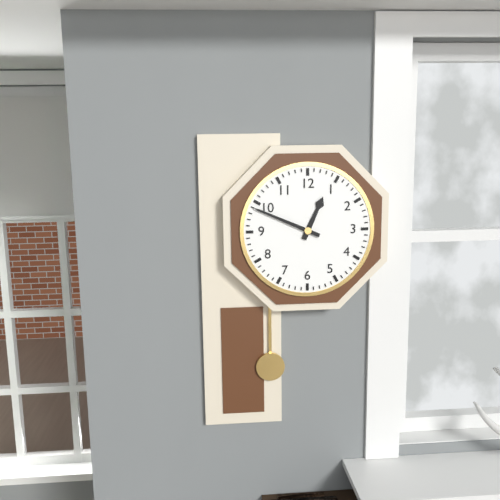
12h49
